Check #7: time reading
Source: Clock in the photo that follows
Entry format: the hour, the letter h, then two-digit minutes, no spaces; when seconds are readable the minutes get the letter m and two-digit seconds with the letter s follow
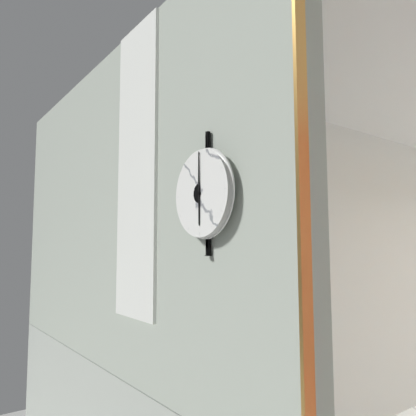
6h00
